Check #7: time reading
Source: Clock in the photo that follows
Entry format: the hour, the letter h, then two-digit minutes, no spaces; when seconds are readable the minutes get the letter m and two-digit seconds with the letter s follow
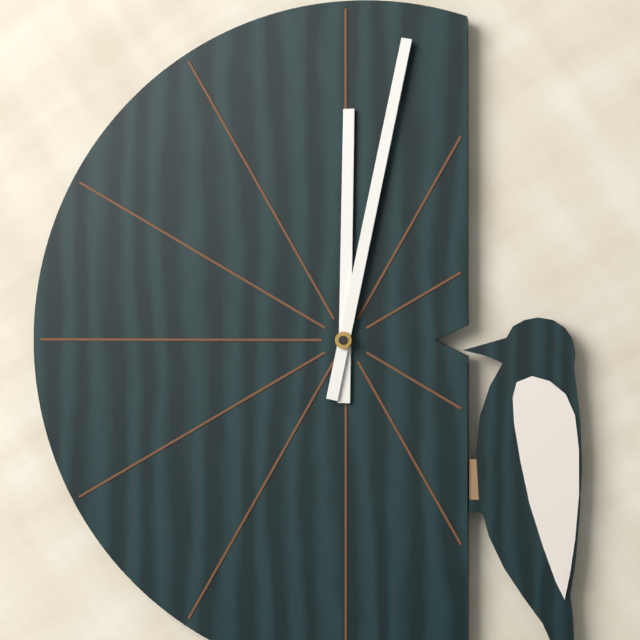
12h02
